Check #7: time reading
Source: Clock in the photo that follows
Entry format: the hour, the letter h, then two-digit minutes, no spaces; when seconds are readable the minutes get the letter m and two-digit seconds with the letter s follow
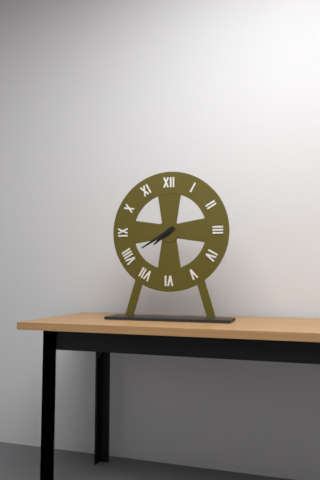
7h40
